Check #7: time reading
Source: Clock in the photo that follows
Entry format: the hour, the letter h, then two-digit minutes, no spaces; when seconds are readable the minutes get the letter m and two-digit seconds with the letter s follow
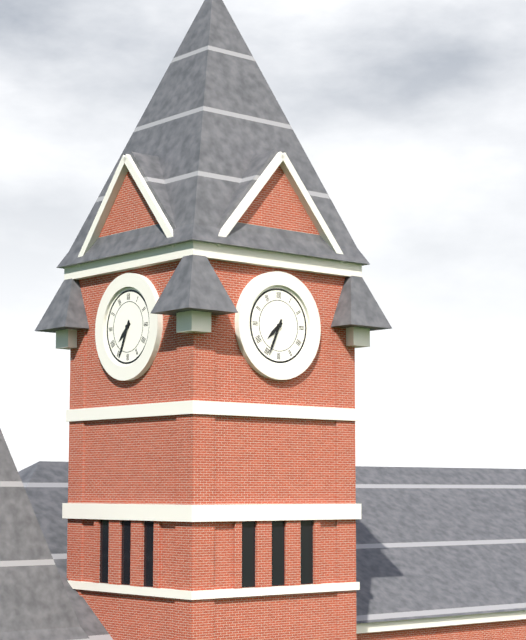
7h34
